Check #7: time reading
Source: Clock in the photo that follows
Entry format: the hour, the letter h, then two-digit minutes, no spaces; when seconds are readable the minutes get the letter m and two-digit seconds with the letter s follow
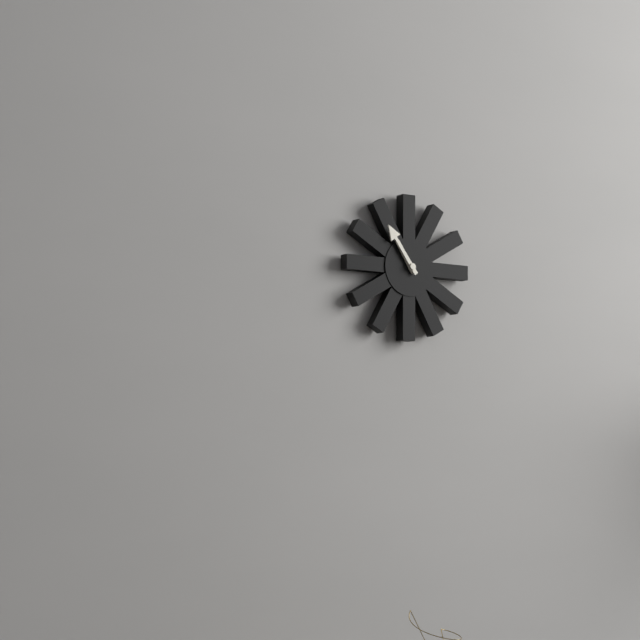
10h54
